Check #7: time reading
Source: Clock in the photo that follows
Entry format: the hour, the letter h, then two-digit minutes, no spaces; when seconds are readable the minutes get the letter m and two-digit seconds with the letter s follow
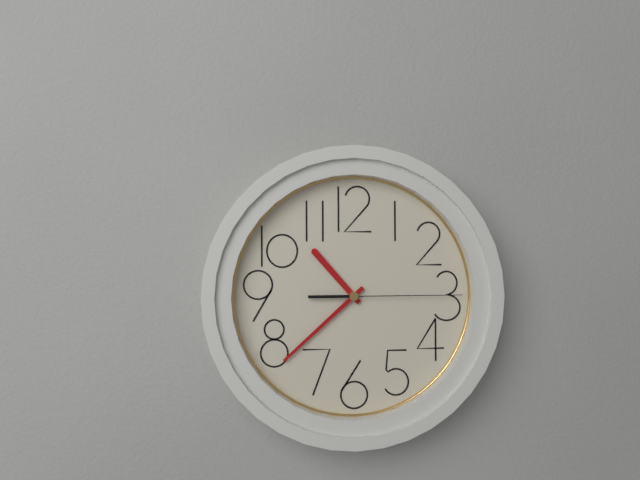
10h38m15s
